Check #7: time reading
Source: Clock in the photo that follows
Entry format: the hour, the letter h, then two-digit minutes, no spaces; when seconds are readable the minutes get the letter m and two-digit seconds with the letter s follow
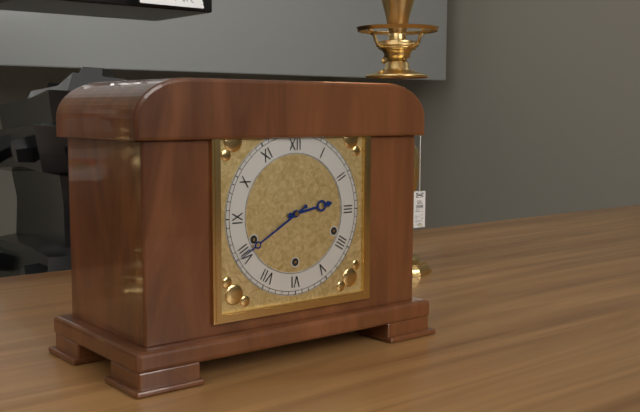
2h40
